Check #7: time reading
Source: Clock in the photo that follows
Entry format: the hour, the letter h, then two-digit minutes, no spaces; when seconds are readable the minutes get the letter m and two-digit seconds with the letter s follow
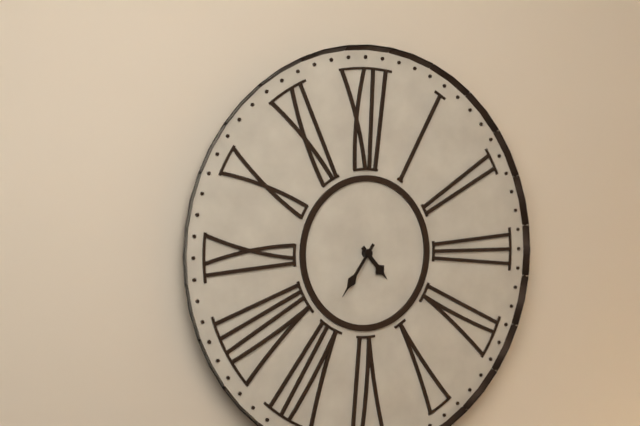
4h36
